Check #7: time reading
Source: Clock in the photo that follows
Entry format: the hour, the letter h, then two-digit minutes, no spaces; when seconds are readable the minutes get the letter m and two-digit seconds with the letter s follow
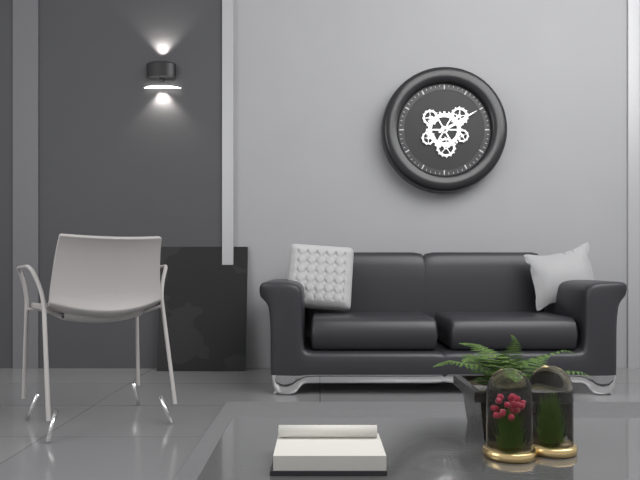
2h10
